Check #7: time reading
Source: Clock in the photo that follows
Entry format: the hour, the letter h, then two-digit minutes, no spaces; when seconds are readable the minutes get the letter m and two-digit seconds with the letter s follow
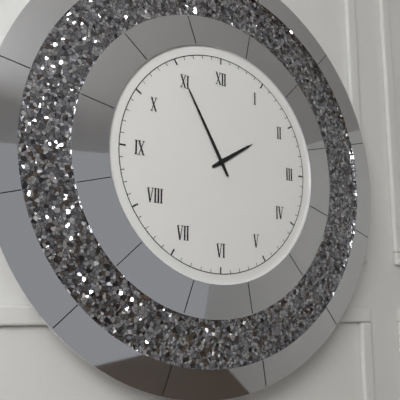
1h55
